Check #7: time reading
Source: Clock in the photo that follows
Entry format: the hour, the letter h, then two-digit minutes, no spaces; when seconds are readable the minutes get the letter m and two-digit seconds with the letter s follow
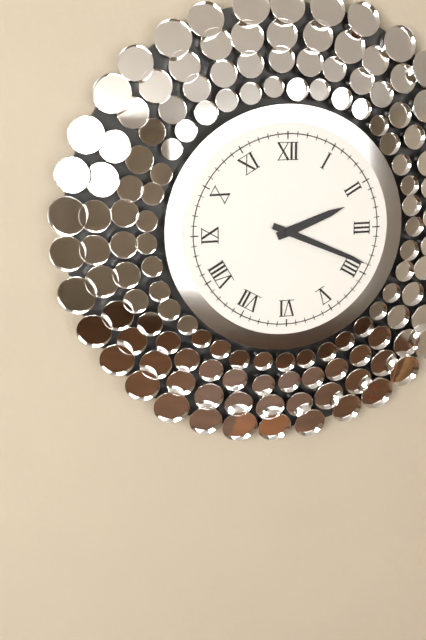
2h19
